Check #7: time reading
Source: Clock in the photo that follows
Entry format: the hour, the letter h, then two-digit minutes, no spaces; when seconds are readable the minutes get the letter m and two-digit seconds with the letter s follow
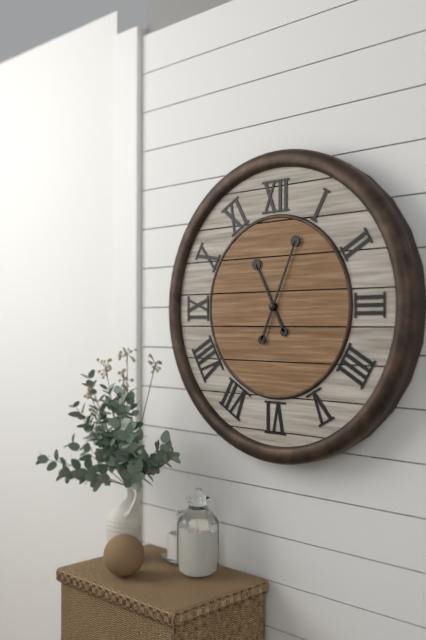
11h04
